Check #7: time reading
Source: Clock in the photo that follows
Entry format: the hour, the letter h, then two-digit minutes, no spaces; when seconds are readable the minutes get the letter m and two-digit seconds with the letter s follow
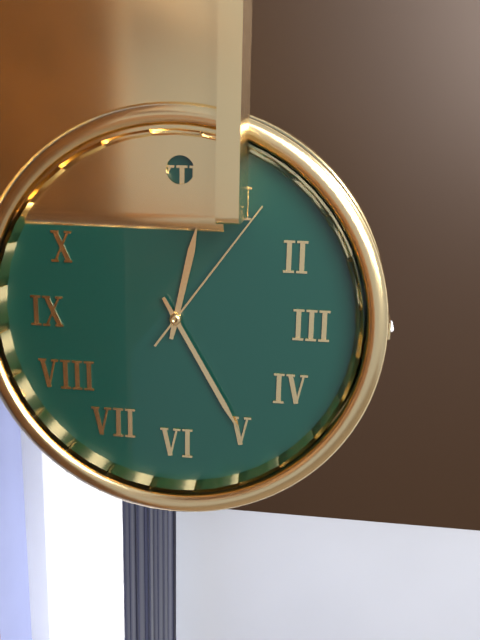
12h25m06s
